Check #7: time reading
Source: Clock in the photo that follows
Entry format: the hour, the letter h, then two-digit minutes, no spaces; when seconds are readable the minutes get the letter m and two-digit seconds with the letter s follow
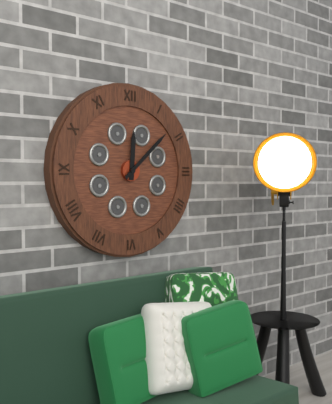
12h08
